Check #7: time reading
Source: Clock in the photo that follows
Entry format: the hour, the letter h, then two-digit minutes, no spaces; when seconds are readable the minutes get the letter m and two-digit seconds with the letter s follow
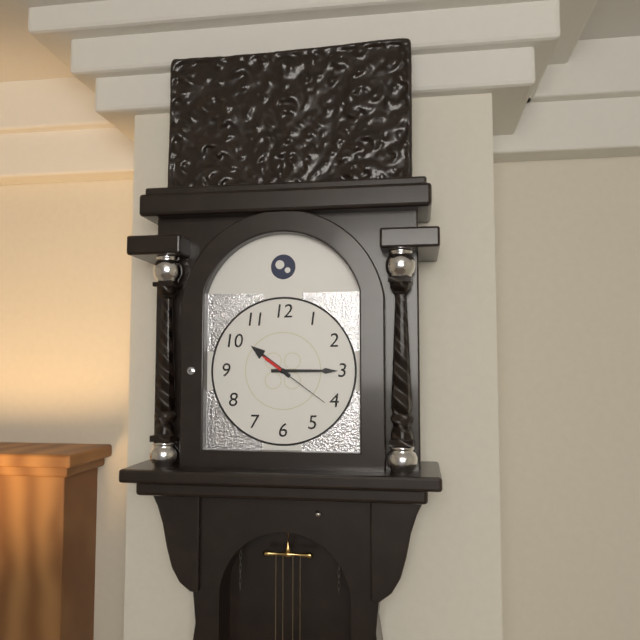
10h15m21s
